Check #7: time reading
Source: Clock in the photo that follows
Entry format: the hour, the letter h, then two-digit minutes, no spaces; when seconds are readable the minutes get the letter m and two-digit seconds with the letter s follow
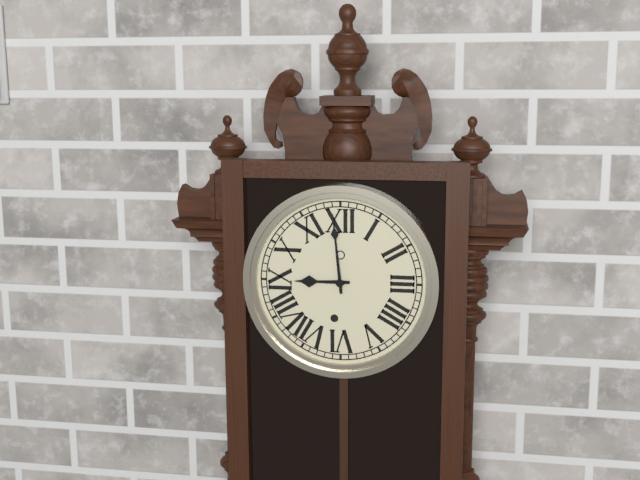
8h59
